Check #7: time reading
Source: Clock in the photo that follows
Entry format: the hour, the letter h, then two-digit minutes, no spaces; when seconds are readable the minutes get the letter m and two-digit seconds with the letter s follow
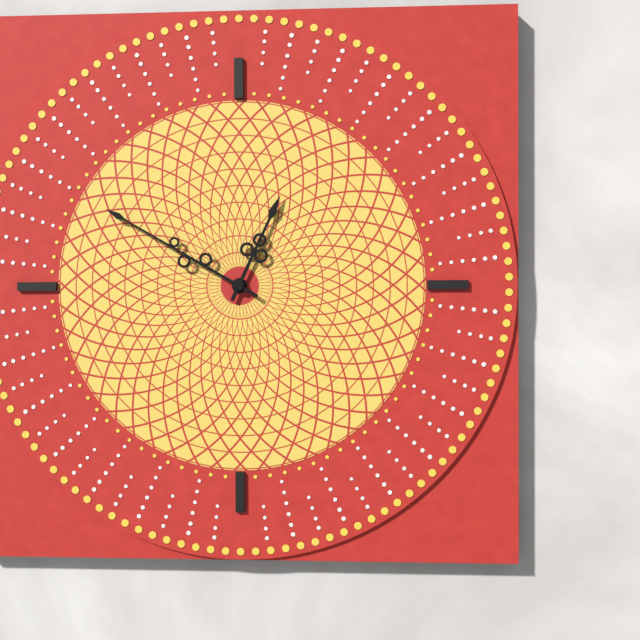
12h50
